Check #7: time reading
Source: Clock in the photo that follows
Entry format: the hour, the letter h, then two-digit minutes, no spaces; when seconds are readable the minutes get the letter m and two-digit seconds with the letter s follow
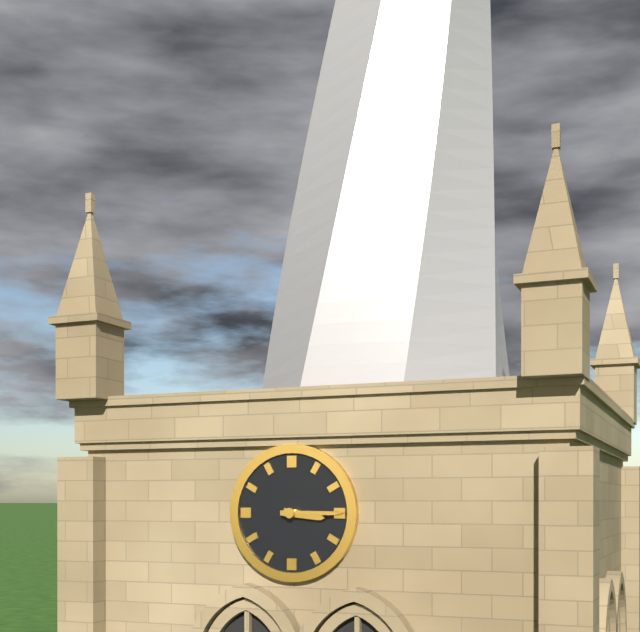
3h15
